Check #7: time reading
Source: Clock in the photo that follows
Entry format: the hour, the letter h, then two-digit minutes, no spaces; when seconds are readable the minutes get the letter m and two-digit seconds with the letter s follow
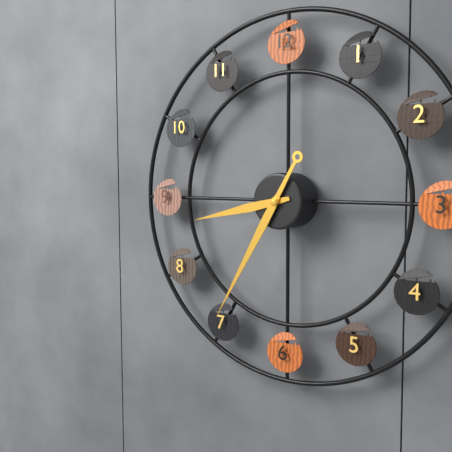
8h35
